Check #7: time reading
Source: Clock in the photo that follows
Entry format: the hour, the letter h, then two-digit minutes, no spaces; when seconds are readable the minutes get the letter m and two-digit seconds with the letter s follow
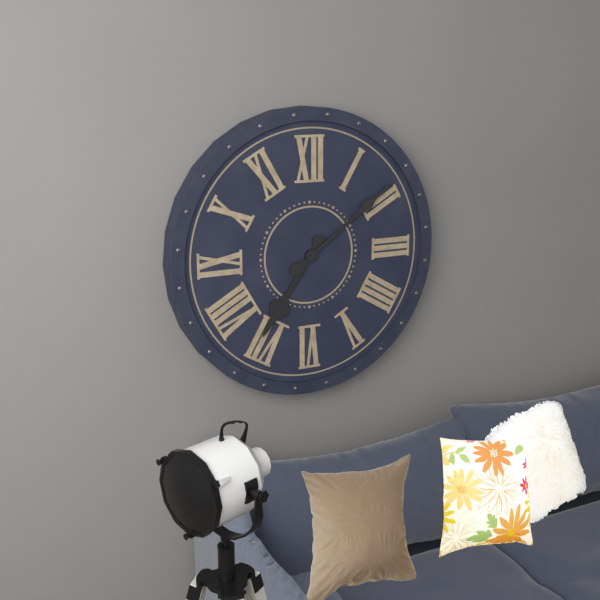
7h09
